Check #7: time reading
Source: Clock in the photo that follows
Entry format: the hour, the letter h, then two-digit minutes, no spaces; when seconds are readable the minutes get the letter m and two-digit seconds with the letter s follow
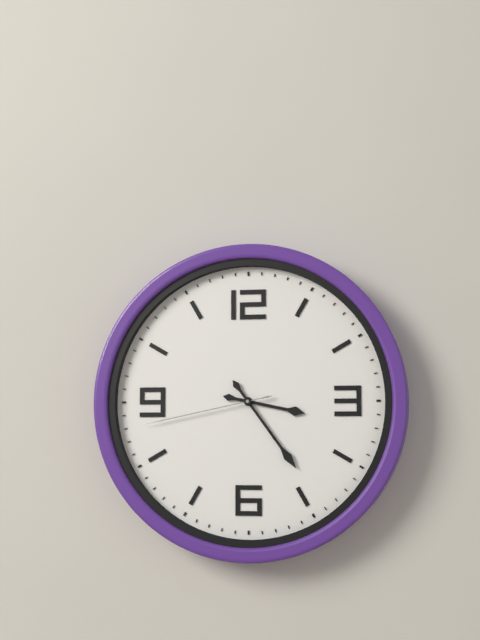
3h24m43s
